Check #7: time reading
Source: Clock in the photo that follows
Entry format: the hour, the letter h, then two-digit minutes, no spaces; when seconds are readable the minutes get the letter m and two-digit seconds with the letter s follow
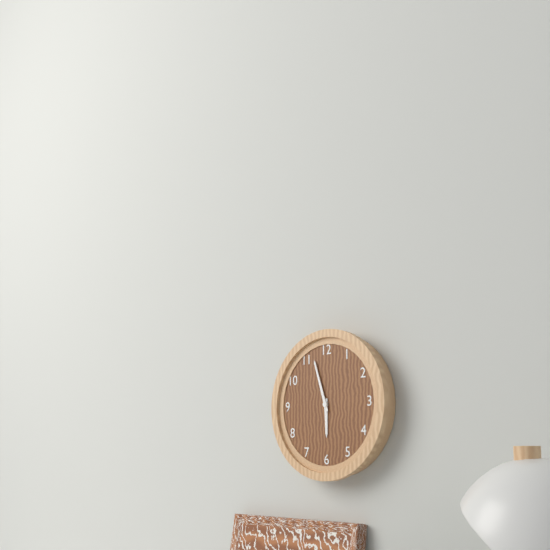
5h57
